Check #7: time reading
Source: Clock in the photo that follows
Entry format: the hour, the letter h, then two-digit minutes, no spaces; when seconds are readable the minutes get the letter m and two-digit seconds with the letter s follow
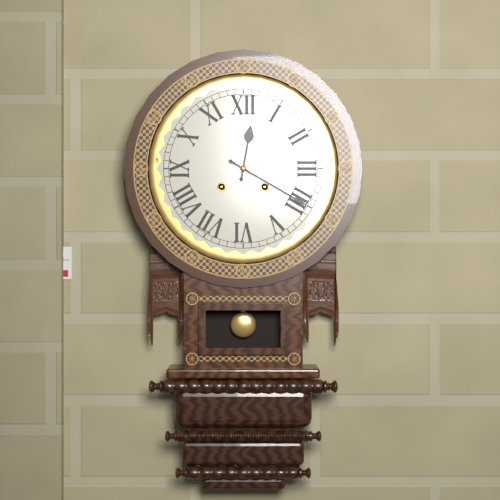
12h20
